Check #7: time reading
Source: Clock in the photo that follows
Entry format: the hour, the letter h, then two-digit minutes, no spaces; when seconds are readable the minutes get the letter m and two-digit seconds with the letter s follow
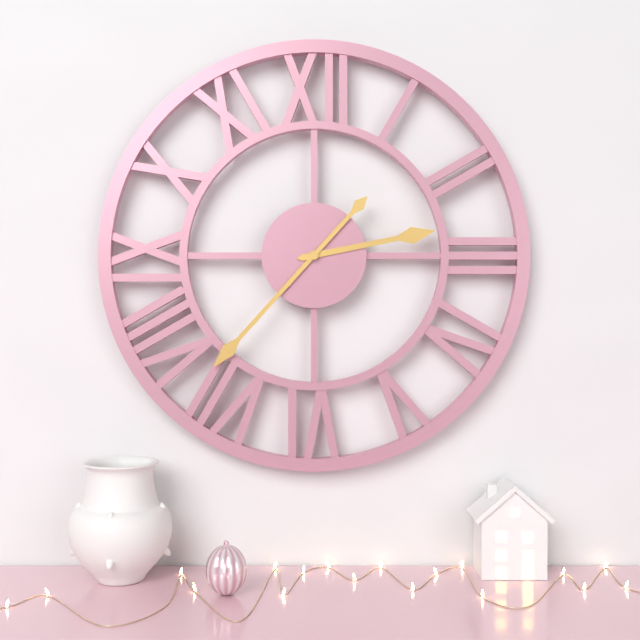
2h37
